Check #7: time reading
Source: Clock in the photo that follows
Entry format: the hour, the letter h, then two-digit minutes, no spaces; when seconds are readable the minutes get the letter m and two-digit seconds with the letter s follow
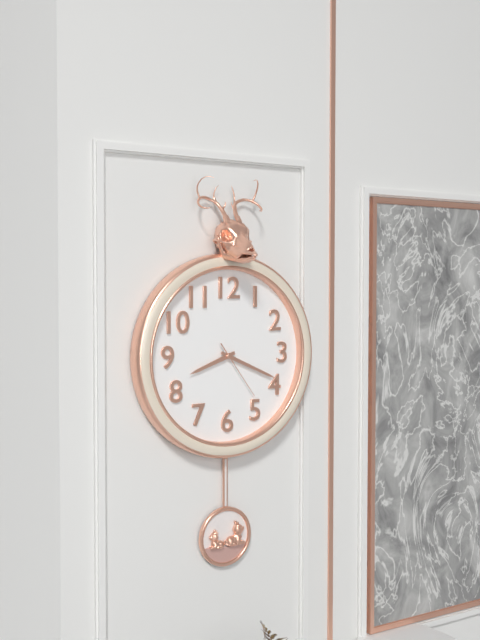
8h19m24s
